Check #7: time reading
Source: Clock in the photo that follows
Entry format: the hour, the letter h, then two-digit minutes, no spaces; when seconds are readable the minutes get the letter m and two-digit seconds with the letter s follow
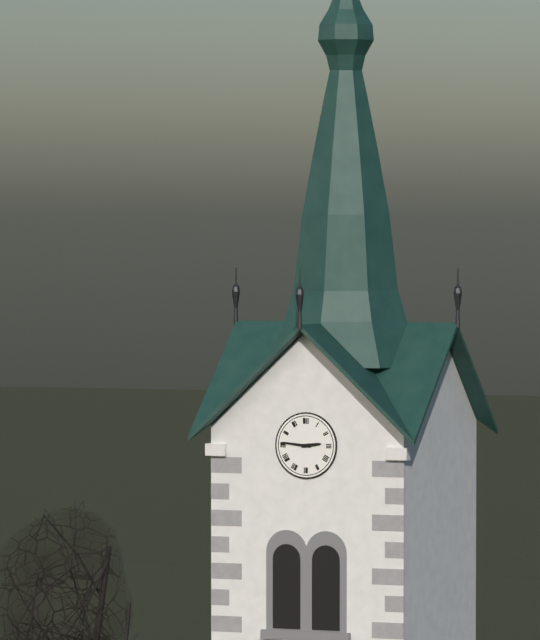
2h46
